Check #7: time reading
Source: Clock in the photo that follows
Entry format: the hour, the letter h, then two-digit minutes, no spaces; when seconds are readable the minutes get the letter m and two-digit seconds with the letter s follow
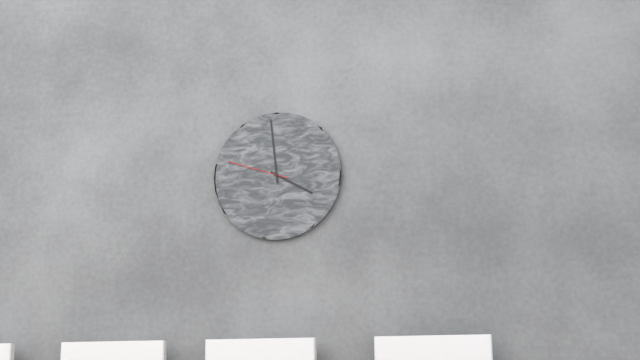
3h59m48s
